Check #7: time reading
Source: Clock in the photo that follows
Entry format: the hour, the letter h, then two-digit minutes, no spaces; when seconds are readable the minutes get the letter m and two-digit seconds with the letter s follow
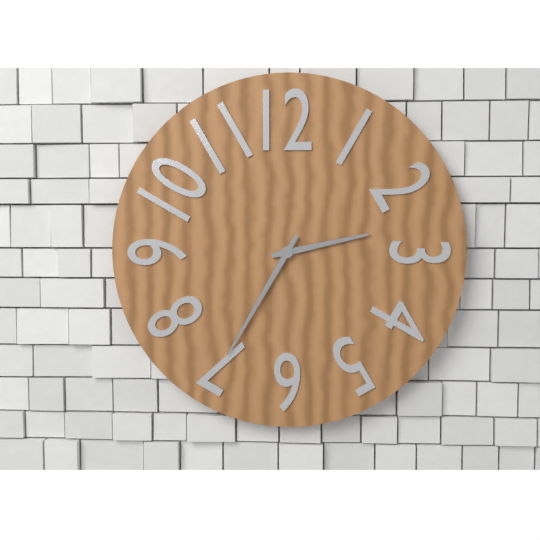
2h35
